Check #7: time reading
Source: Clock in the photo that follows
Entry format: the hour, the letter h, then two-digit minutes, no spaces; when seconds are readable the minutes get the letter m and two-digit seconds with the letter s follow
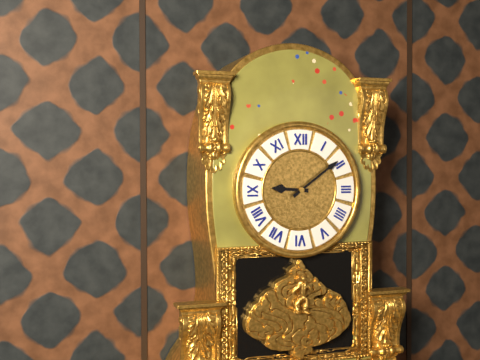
9h09
